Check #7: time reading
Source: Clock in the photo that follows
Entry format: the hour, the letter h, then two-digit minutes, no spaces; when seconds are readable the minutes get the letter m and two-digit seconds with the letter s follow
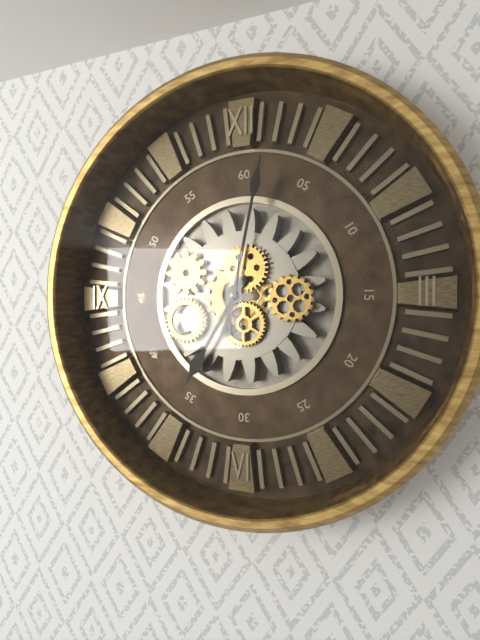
7h02
